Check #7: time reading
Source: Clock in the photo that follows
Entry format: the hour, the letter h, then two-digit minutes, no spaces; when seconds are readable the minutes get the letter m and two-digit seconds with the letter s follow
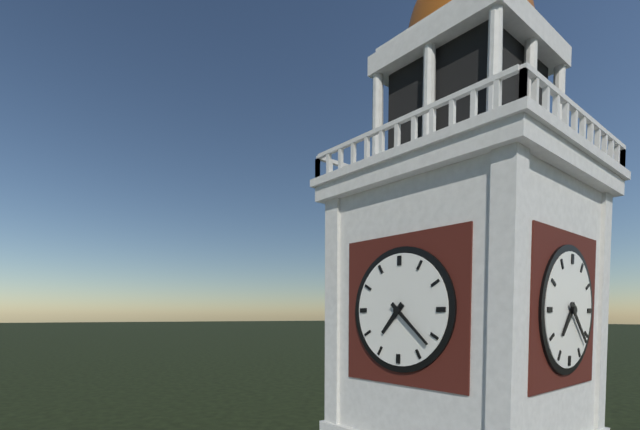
7h22
